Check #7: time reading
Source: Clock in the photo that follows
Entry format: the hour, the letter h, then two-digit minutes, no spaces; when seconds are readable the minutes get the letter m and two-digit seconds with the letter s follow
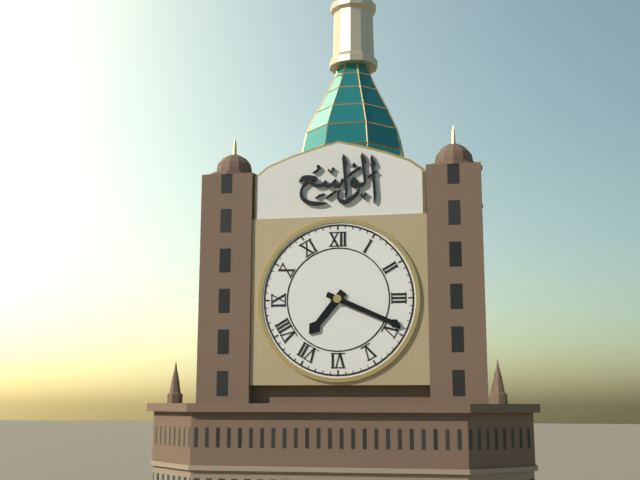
7h19
